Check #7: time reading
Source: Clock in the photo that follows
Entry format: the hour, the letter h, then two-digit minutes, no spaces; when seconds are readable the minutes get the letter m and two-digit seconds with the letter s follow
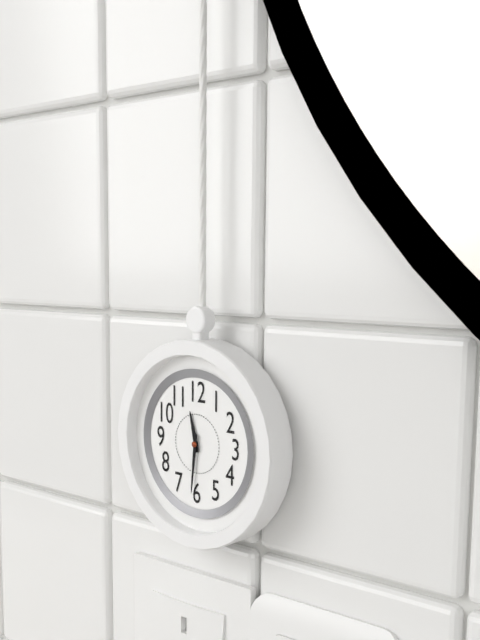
11h31
